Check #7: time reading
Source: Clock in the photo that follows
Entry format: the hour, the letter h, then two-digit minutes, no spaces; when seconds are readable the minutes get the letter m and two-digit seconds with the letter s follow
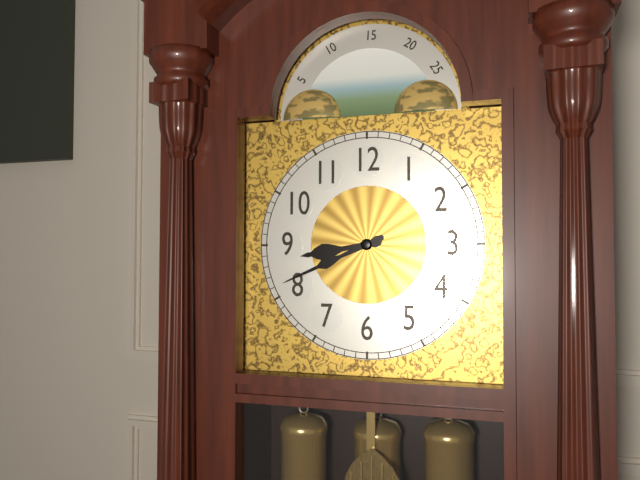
8h41
